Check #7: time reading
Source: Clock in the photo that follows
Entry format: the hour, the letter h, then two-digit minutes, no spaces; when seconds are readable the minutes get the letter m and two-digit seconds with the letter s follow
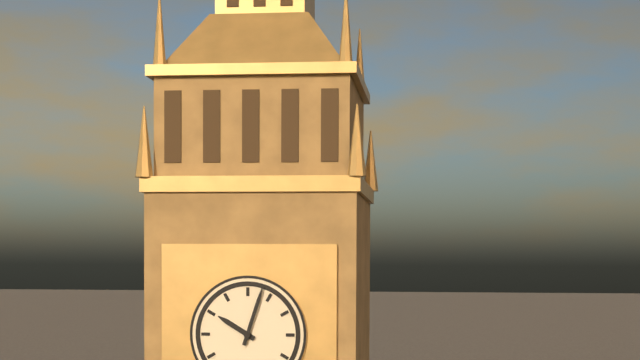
10h03
